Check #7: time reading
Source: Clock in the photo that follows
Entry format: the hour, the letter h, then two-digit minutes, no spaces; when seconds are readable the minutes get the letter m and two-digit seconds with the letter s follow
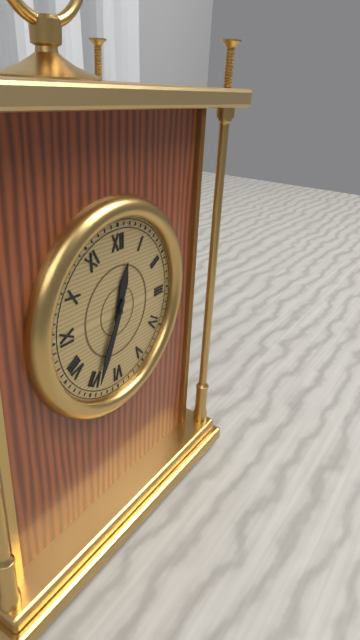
12h34
